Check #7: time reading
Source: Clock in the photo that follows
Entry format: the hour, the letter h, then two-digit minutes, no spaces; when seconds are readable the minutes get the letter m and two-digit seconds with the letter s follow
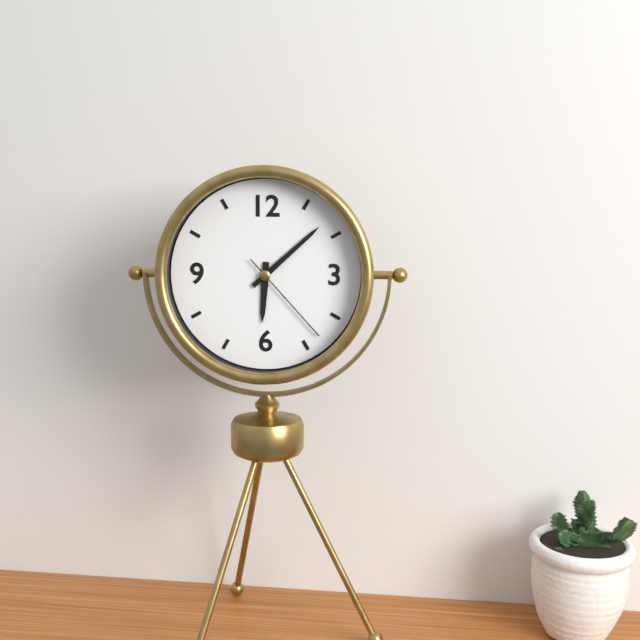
6h08m23s
